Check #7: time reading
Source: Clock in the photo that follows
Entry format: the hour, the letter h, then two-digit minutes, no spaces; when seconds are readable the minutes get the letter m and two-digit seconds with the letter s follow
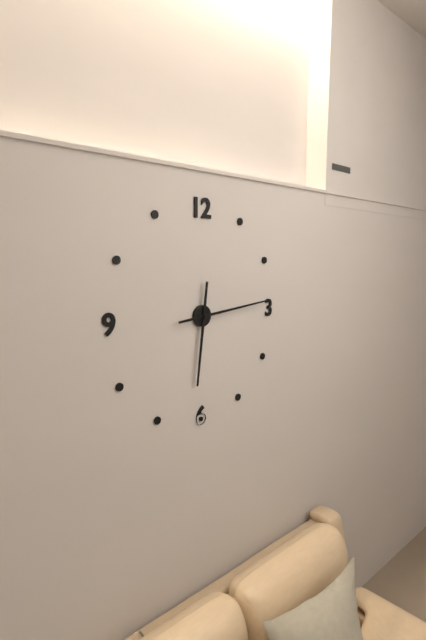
6h14
